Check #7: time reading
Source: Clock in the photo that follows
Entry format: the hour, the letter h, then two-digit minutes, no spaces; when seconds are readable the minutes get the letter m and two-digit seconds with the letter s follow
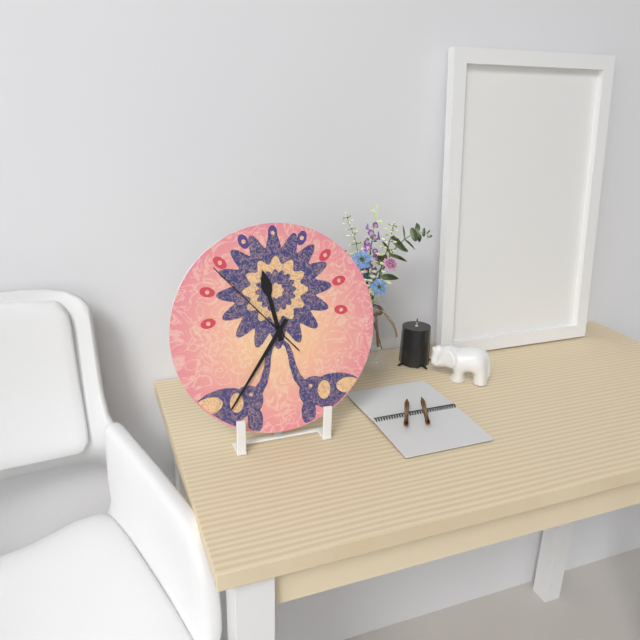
11h36m53s
